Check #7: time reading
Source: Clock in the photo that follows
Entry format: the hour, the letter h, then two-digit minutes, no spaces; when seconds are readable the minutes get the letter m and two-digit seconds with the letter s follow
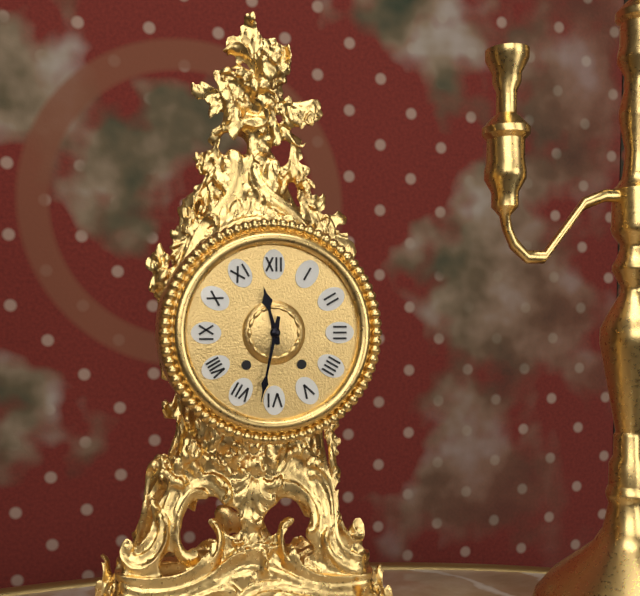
11h32
